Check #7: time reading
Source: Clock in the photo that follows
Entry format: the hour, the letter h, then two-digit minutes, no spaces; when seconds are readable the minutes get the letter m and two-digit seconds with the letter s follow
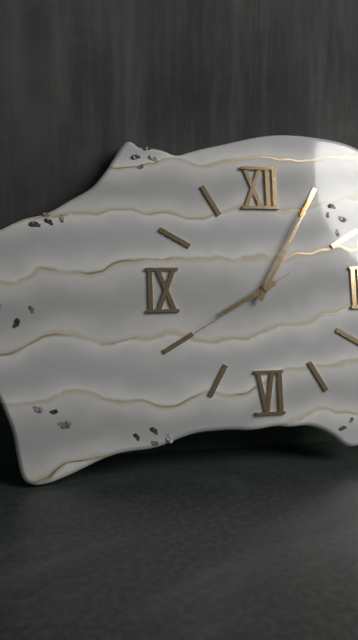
8h05m40s
